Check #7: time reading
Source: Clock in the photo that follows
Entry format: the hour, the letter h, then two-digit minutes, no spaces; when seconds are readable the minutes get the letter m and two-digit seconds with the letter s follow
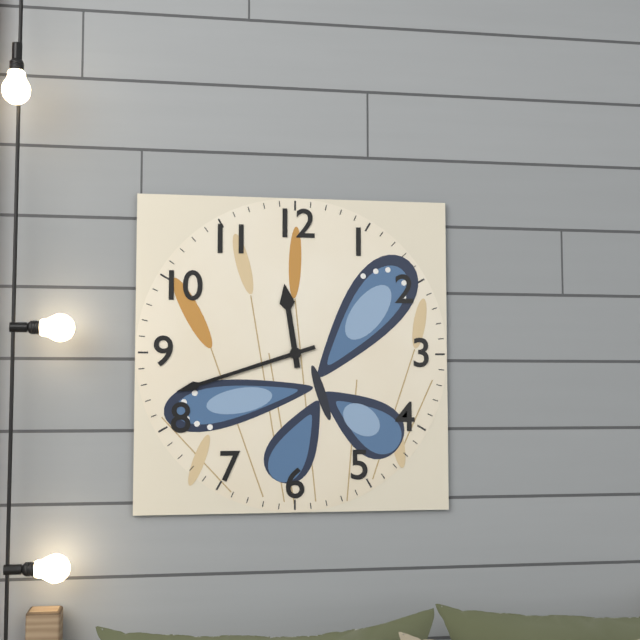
11h42
